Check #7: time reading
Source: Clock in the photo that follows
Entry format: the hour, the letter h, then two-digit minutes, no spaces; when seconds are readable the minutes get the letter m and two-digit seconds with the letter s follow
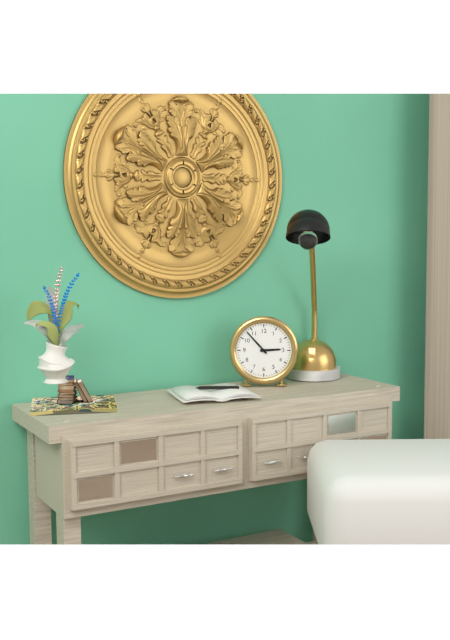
2h53
